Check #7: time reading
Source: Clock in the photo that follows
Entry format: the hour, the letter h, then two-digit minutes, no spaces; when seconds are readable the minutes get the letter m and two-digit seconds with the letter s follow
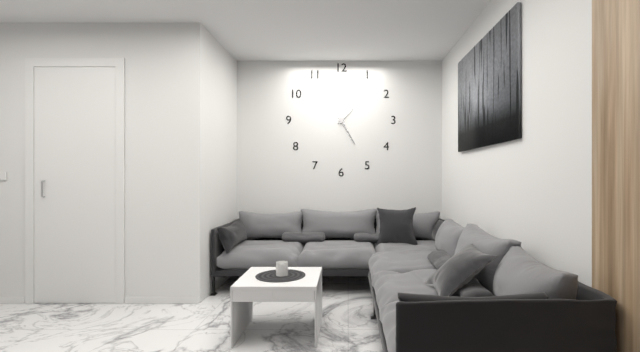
1h25
